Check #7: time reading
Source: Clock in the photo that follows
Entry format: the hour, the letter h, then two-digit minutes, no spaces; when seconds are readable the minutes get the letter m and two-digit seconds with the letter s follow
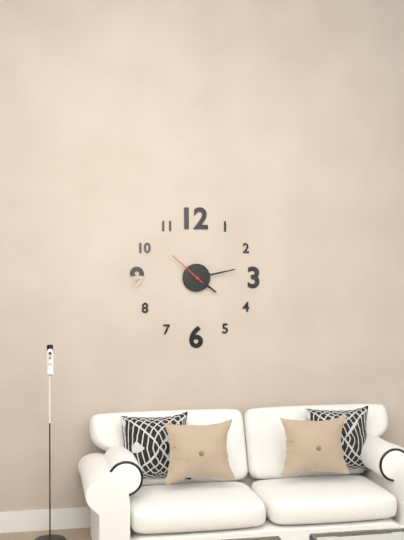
4h13
